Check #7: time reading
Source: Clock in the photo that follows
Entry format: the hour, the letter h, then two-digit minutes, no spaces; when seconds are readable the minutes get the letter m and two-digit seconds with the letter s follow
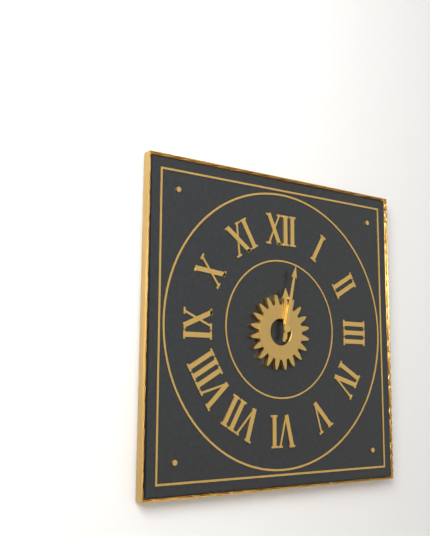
12h02
